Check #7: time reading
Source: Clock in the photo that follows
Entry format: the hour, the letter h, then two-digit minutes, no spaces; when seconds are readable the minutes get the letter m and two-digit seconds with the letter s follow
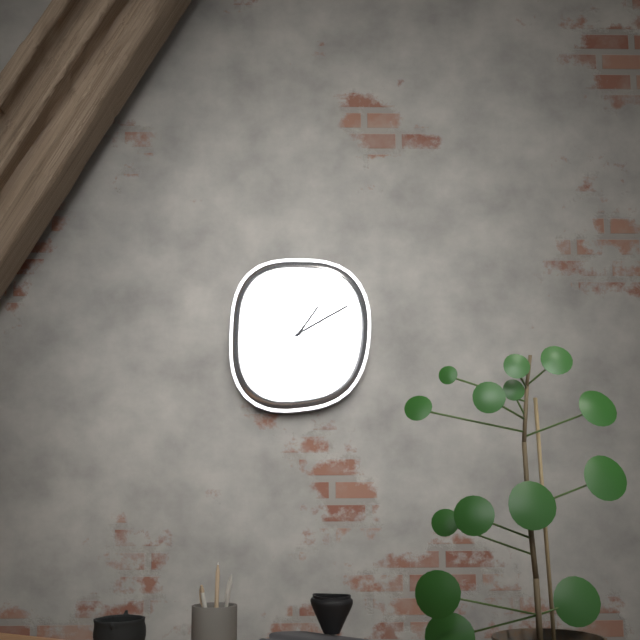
1h10
